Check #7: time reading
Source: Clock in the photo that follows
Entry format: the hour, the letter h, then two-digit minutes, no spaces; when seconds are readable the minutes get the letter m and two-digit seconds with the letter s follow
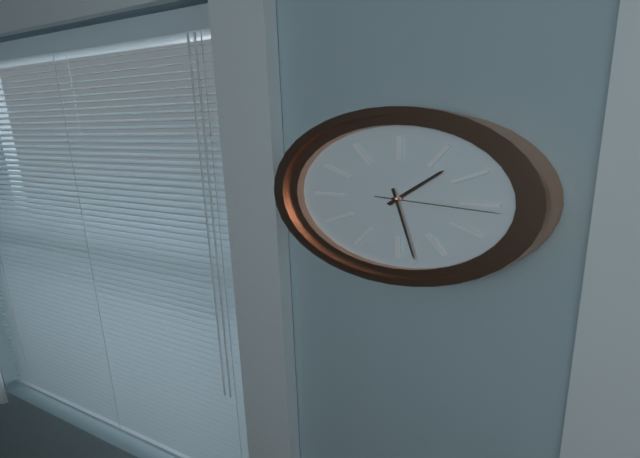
1h28m16s
